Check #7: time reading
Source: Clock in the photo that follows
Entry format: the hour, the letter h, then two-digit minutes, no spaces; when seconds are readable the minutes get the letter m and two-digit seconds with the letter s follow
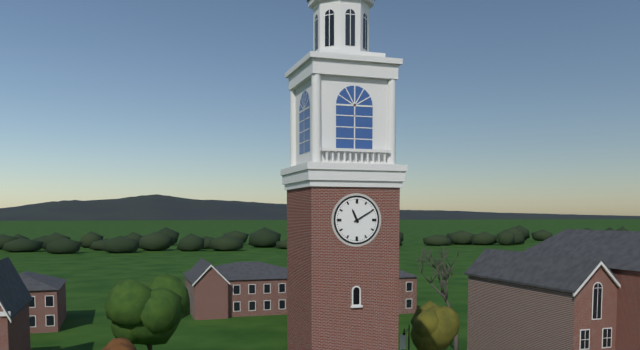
11h10
